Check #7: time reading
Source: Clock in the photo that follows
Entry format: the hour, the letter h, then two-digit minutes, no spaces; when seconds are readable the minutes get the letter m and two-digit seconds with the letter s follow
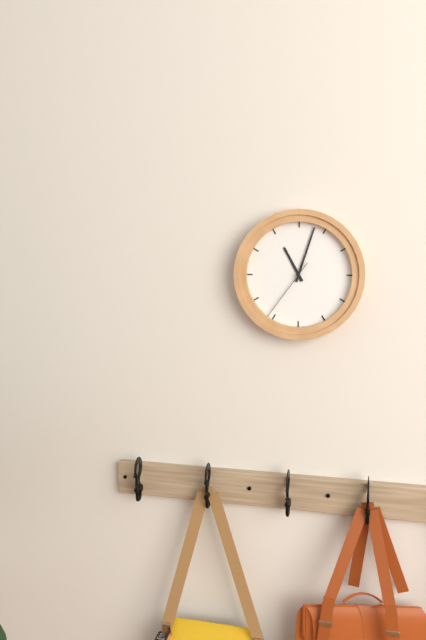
11h03m36s
